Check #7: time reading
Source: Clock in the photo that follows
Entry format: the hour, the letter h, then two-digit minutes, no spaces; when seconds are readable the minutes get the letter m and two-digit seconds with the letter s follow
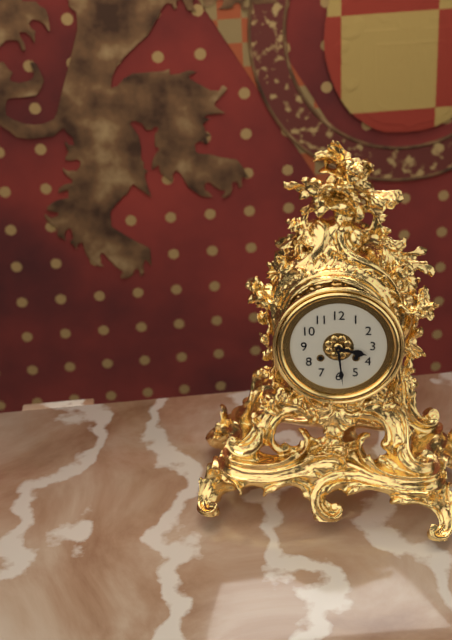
3h29
